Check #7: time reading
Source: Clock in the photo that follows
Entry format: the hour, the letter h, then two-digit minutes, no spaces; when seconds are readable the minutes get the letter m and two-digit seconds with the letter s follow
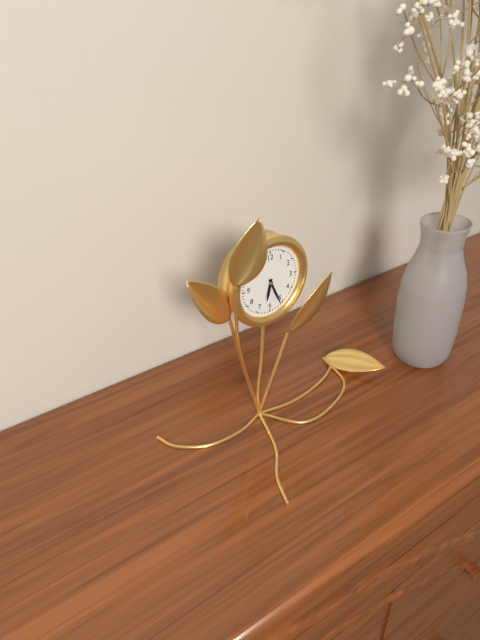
6h26
